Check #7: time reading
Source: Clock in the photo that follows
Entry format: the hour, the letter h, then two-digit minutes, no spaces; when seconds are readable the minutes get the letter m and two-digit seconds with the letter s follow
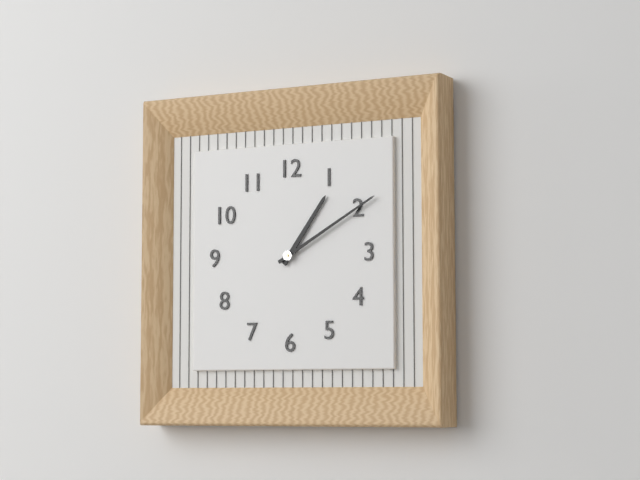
1h10
